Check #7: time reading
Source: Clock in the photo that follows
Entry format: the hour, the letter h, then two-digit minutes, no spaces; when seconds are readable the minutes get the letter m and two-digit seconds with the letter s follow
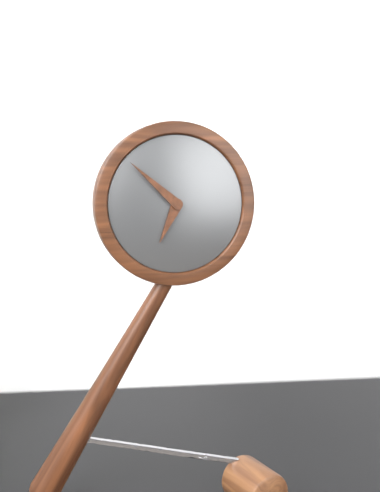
6h52
